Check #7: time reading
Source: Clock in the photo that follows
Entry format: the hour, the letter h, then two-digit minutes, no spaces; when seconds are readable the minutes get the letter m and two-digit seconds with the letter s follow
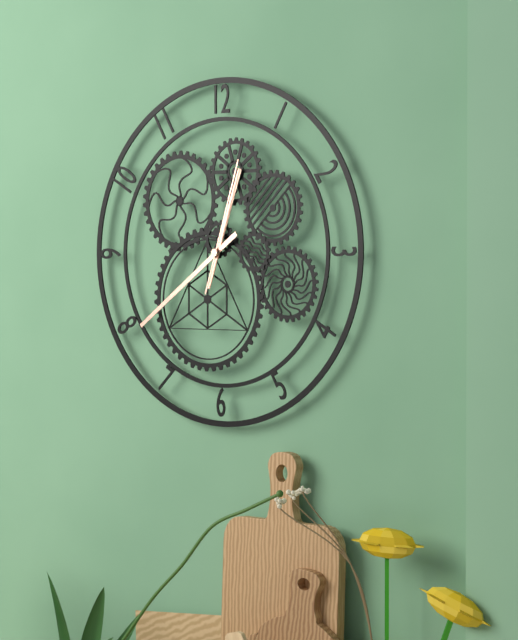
12h39m03s
